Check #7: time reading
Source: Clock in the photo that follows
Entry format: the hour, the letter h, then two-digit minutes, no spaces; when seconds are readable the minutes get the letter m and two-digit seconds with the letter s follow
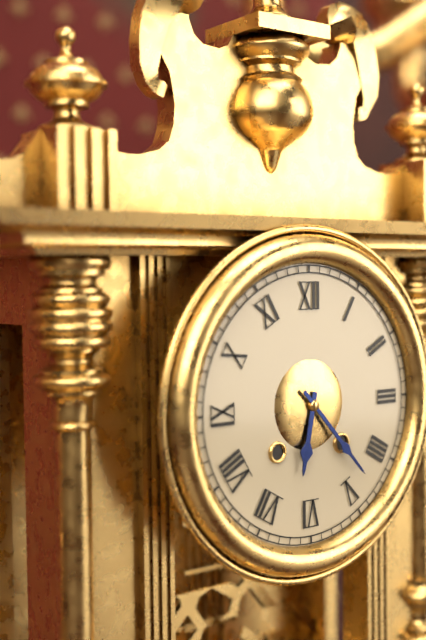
6h23
